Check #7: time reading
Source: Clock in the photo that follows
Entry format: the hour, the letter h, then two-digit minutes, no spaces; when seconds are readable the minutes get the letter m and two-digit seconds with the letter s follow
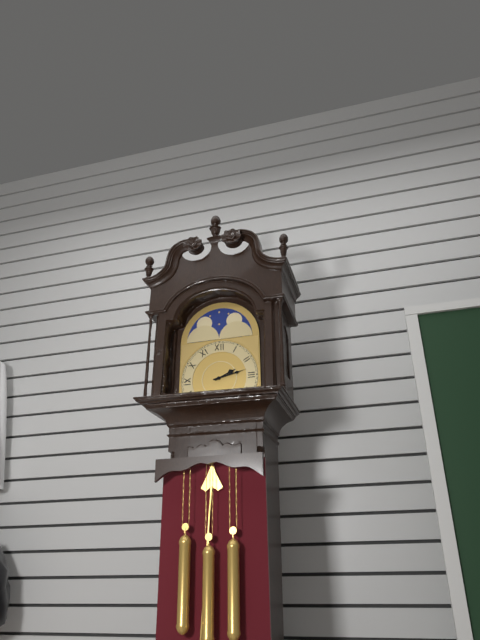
2h13
